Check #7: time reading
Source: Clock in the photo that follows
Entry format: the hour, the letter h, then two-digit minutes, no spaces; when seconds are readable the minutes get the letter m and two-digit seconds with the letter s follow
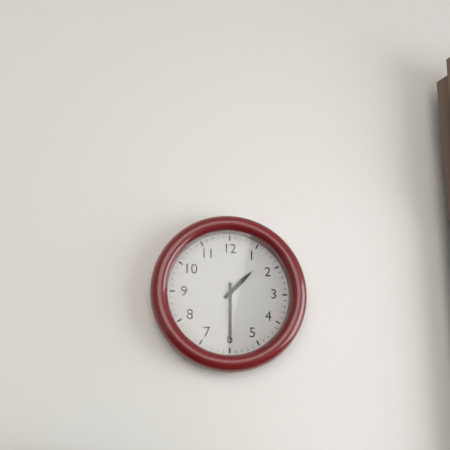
1h30
